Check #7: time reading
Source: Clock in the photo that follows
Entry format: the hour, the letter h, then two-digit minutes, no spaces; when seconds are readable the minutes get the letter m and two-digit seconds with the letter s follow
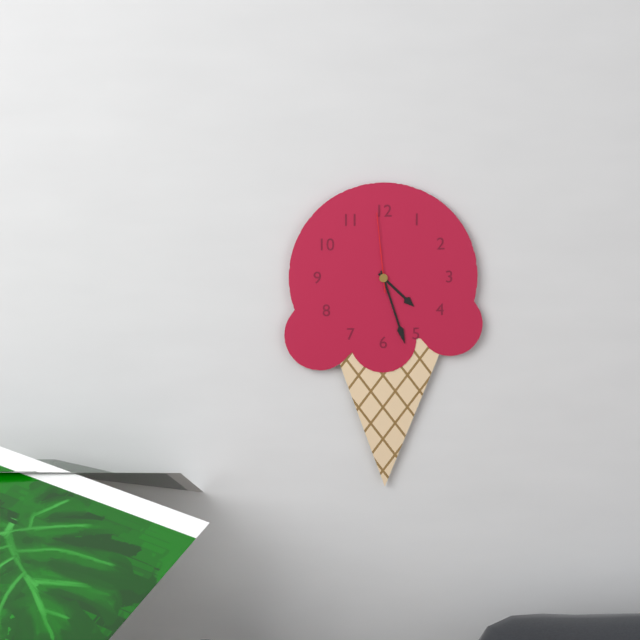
4h27m59s
